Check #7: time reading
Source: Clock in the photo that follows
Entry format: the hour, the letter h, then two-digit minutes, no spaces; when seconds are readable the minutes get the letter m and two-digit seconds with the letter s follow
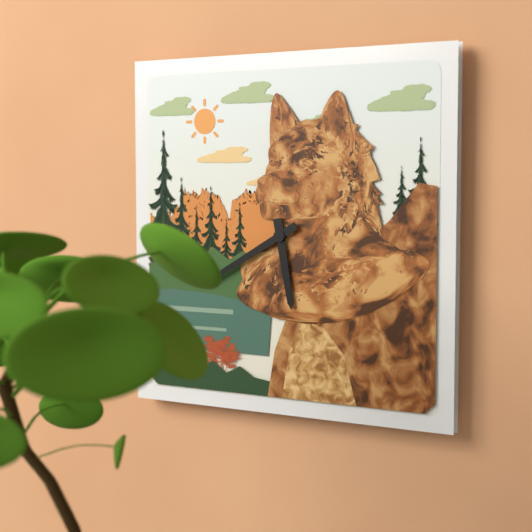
5h40
